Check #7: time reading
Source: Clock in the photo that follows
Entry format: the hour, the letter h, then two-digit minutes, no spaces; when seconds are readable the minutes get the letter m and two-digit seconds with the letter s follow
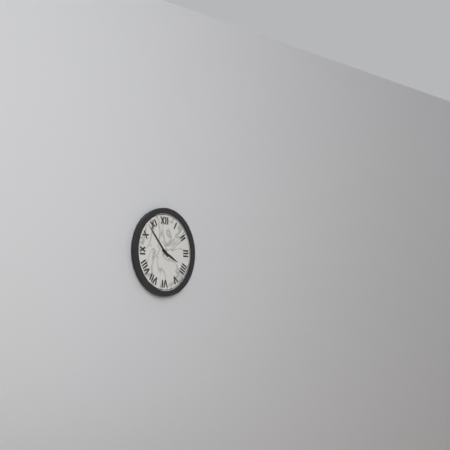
3h53
